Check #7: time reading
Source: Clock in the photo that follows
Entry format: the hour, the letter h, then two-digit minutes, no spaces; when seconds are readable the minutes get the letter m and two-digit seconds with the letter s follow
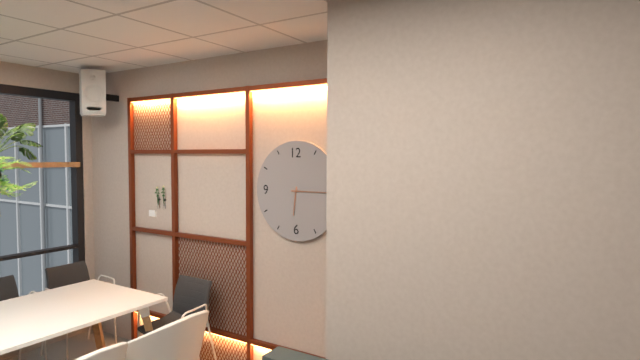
6h15
